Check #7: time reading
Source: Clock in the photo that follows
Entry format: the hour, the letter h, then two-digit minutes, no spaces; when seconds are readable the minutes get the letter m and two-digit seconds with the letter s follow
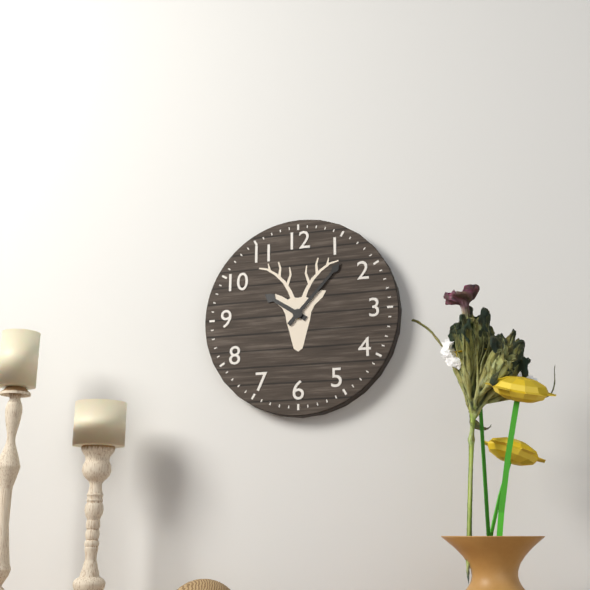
10h07
